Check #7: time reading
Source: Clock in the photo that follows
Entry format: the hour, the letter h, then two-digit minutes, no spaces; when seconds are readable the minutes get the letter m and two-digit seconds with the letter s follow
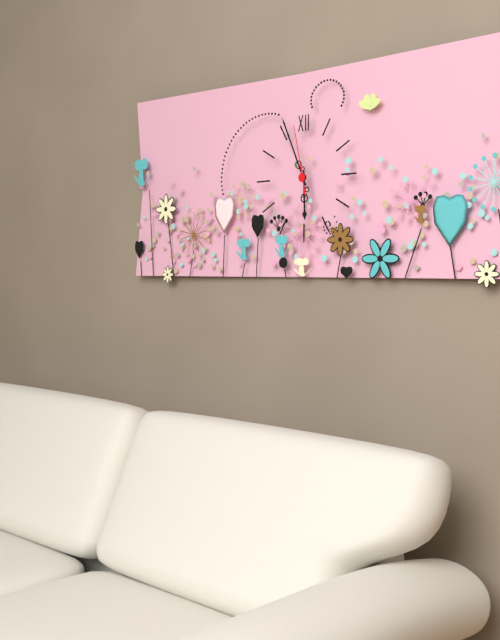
5h56m58s
